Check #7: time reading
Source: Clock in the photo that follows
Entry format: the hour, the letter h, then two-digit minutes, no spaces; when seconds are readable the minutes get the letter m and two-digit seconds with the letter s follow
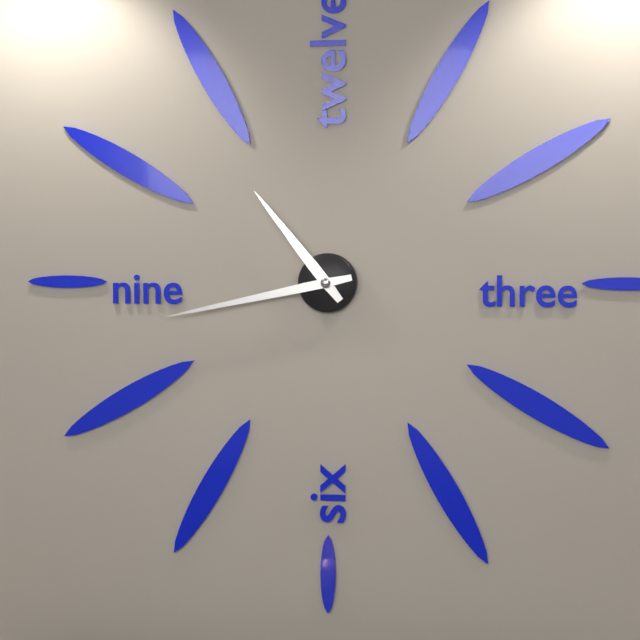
10h43
